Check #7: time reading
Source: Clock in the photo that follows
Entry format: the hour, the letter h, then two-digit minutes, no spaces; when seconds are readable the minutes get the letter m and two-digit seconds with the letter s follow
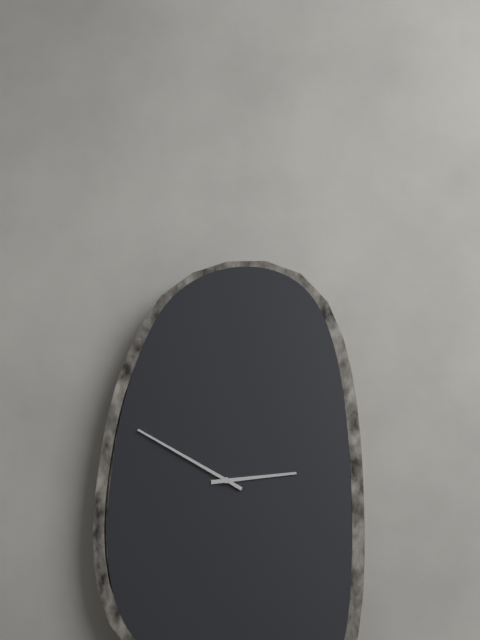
2h50
